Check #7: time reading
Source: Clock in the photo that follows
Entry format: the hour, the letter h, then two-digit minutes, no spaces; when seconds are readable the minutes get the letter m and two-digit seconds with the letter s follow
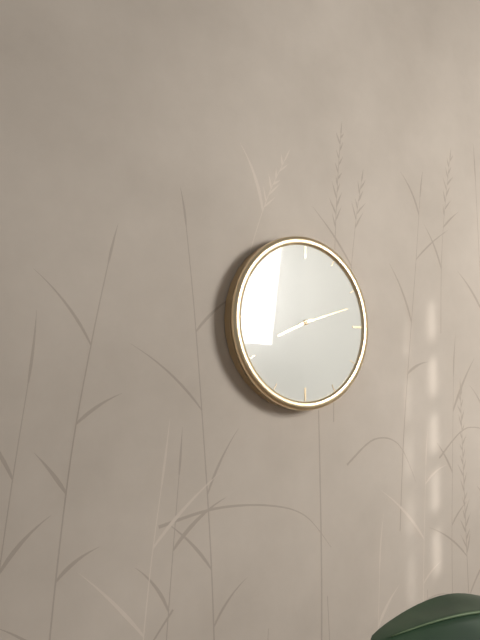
8h12
